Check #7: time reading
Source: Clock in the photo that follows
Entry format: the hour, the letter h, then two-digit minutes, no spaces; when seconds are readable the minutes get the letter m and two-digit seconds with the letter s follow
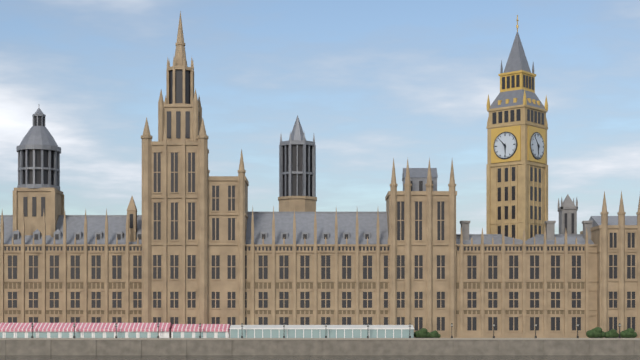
5h53
